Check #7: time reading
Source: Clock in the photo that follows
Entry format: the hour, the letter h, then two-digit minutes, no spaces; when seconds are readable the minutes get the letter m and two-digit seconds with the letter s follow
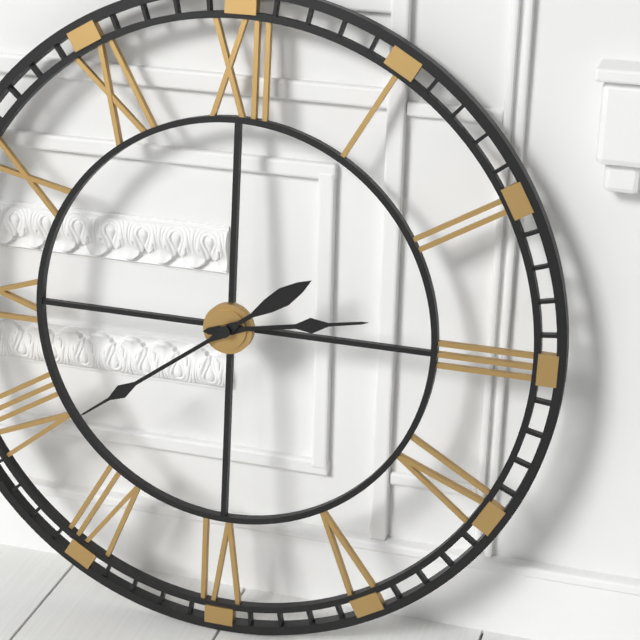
2h39
